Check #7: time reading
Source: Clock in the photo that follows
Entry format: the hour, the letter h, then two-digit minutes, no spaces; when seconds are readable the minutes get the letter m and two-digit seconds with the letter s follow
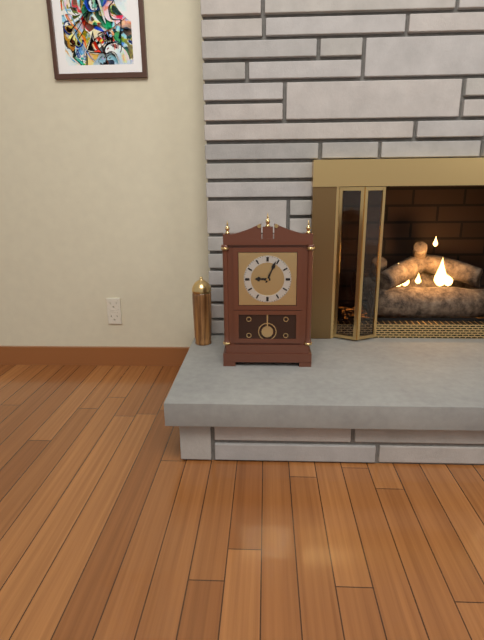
9h04
